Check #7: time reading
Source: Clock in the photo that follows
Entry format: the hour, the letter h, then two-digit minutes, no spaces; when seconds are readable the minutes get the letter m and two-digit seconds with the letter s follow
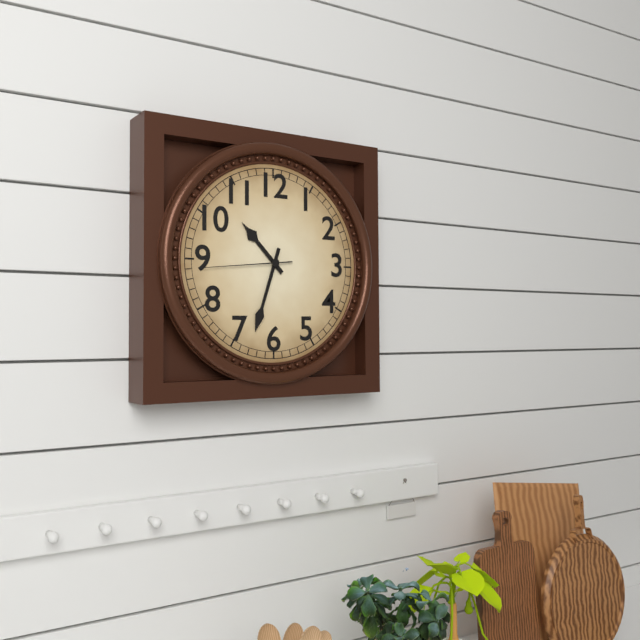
10h33m44s
